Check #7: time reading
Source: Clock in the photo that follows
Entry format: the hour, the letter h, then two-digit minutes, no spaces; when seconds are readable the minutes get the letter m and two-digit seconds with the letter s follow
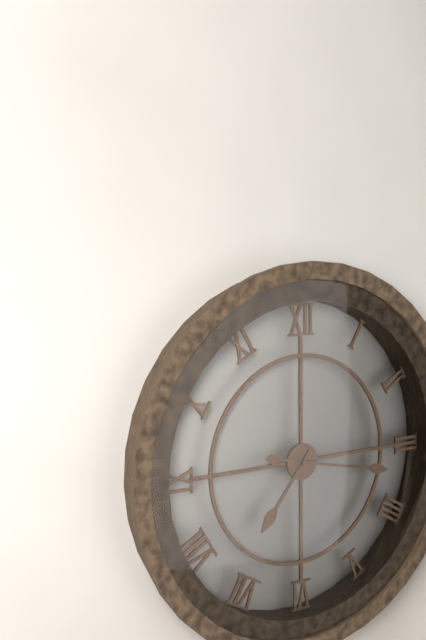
7h17
